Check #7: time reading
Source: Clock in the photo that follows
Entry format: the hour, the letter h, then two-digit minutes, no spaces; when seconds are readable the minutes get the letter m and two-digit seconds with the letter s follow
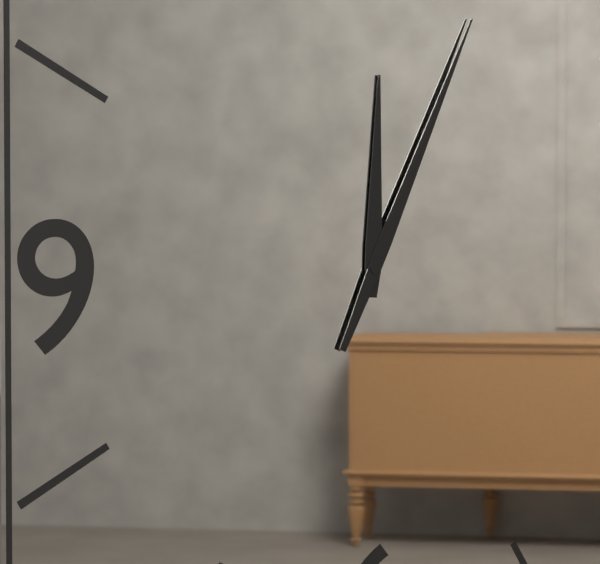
12h04
